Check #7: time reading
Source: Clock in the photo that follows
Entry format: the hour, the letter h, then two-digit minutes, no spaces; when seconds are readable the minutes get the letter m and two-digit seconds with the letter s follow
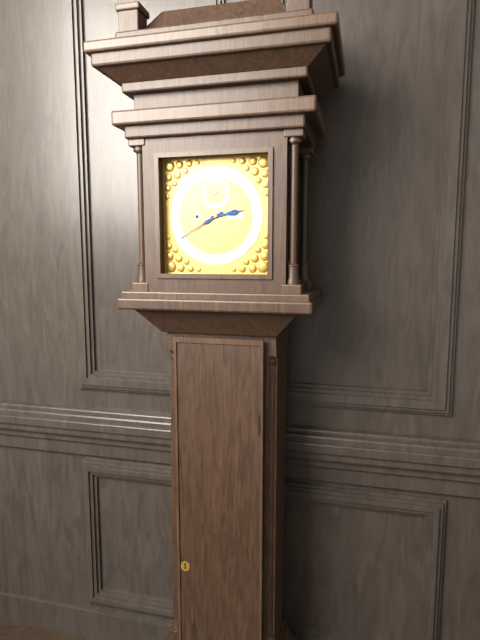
2h40
